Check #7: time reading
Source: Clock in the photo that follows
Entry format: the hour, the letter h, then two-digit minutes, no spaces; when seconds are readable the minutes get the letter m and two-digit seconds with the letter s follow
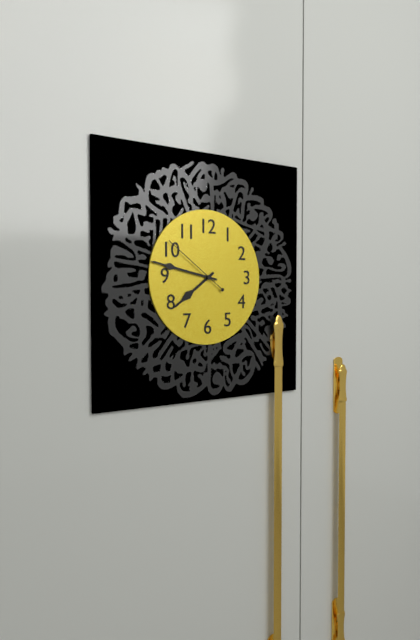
7h47m51s
